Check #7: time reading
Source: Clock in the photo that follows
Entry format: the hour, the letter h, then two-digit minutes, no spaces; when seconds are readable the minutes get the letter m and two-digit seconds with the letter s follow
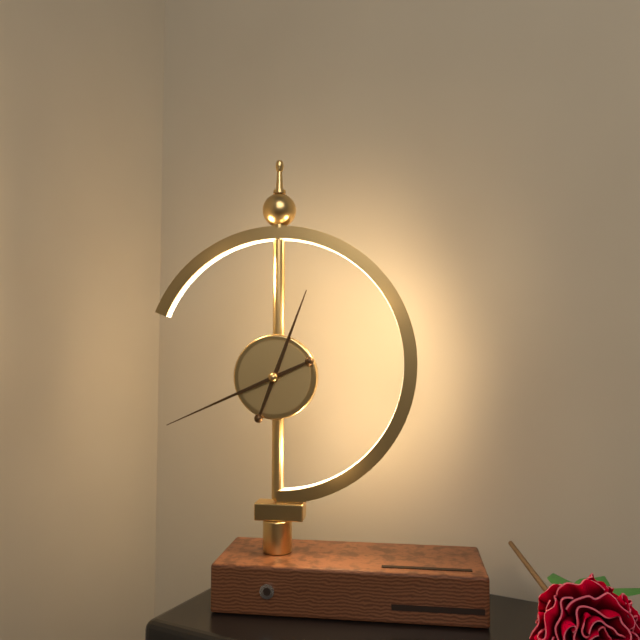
12h41
